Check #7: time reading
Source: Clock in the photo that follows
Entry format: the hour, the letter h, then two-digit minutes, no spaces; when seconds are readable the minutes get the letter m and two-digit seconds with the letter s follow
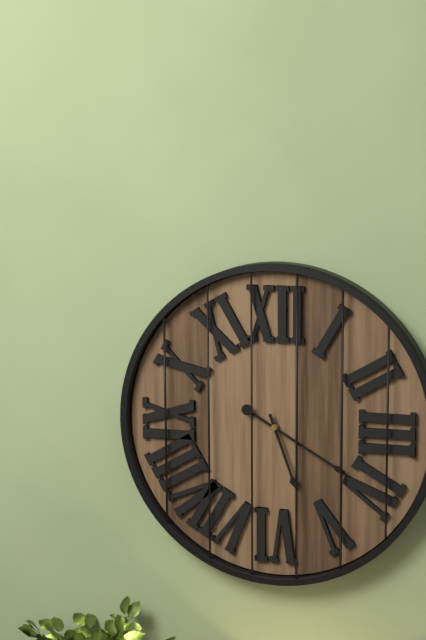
5h20
